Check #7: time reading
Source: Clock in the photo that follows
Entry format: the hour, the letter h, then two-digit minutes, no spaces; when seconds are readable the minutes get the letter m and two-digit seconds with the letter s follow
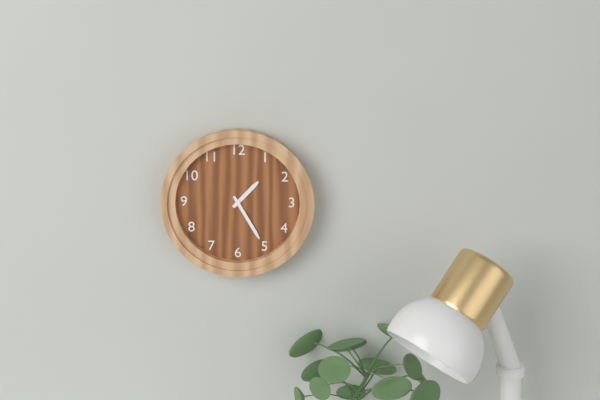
1h25
